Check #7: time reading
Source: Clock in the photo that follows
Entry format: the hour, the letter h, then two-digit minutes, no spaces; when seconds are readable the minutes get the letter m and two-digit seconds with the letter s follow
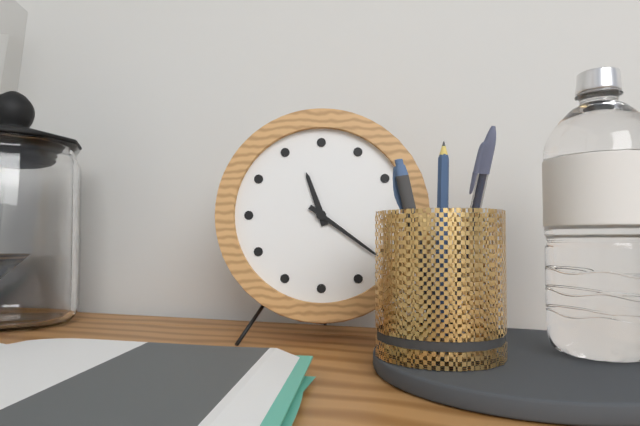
11h21
